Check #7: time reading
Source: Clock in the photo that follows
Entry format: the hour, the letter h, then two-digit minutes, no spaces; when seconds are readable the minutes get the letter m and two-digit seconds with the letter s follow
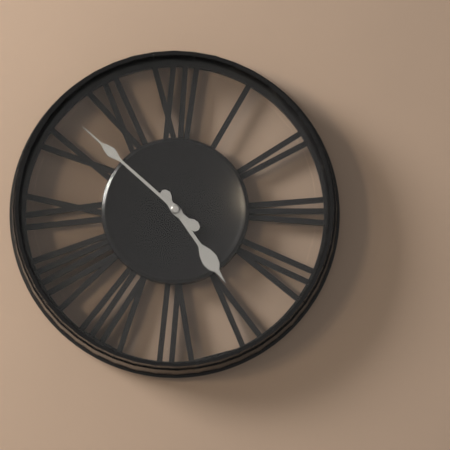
4h52
